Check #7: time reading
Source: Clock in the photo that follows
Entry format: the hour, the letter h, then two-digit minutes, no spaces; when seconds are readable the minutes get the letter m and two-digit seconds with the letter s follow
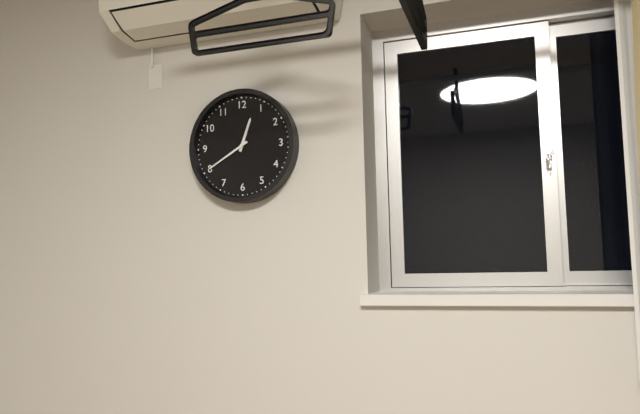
12h40
